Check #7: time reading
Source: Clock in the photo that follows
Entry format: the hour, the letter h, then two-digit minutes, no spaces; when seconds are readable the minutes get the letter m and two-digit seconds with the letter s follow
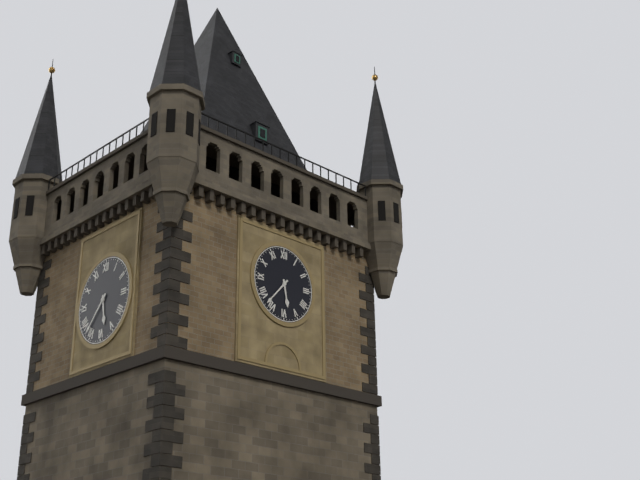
5h37
